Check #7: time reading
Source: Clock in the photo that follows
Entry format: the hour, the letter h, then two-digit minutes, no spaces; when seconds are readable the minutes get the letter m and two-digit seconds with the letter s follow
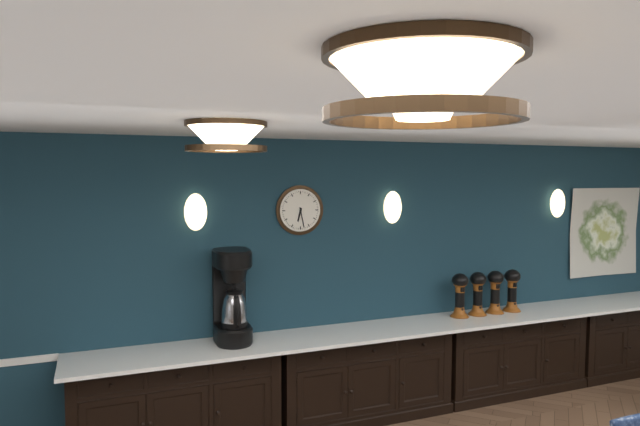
6h28
